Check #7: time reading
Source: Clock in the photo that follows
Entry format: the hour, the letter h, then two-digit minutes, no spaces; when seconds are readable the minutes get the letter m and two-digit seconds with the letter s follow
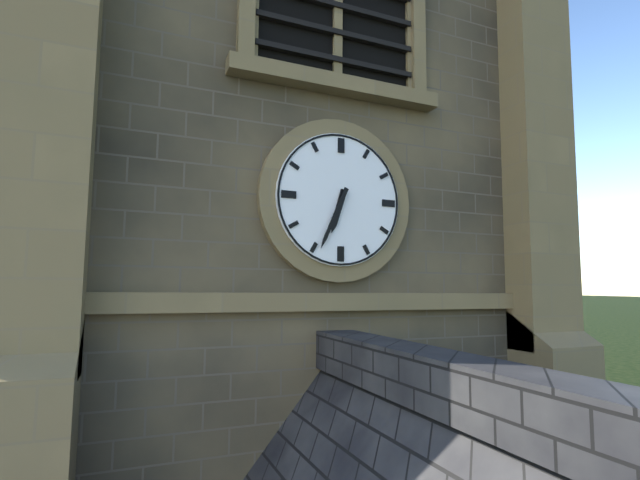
6h34
